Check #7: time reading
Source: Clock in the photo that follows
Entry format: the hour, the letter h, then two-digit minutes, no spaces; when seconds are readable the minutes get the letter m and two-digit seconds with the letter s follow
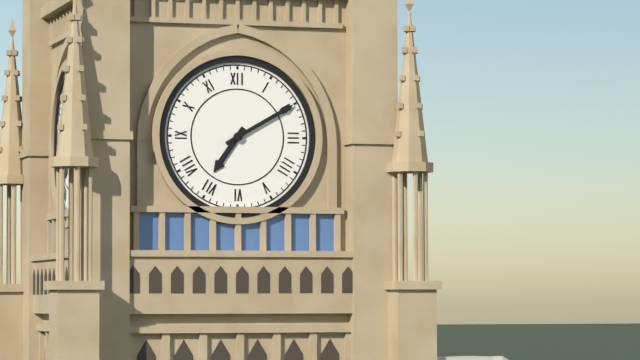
7h10
